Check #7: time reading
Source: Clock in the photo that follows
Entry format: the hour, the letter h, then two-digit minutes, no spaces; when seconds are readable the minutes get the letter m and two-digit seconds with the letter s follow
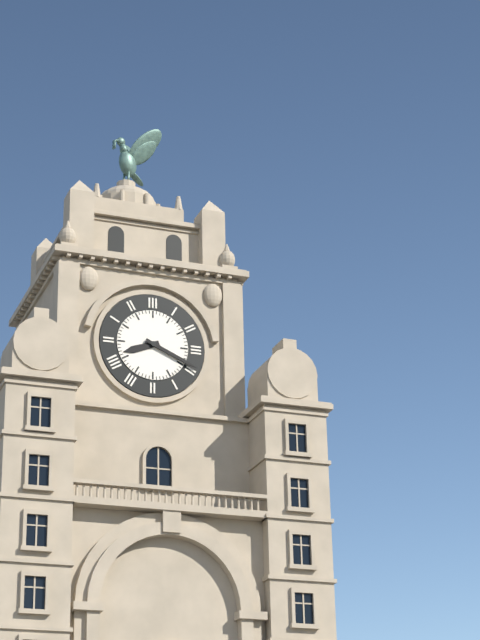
8h19
